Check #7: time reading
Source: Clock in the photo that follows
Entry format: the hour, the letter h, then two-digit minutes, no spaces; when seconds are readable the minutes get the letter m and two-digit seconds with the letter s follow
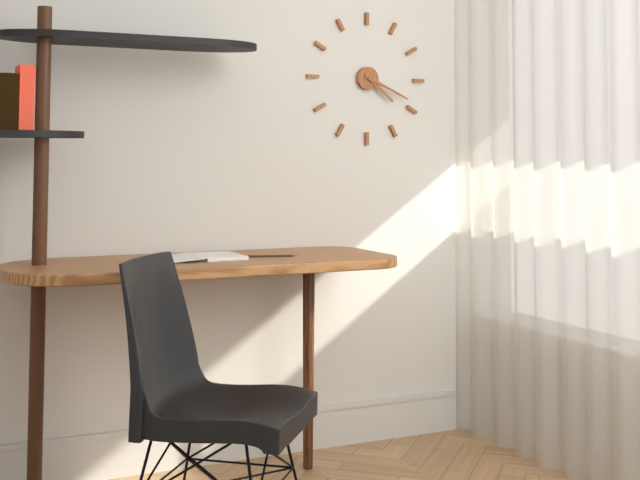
4h19
